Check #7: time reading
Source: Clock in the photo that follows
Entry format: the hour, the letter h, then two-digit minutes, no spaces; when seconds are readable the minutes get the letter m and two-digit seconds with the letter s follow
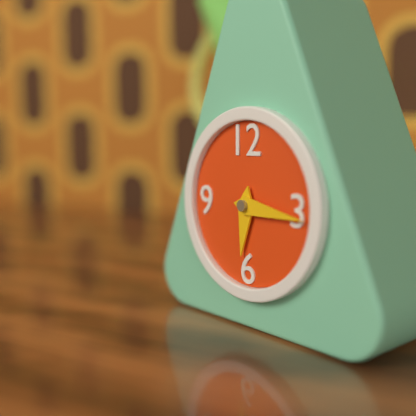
6h16
